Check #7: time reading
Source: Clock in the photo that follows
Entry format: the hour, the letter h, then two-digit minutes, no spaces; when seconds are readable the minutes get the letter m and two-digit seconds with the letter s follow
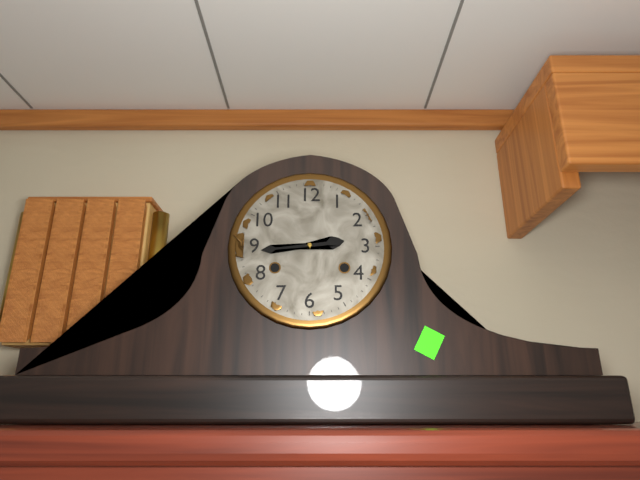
2h44
